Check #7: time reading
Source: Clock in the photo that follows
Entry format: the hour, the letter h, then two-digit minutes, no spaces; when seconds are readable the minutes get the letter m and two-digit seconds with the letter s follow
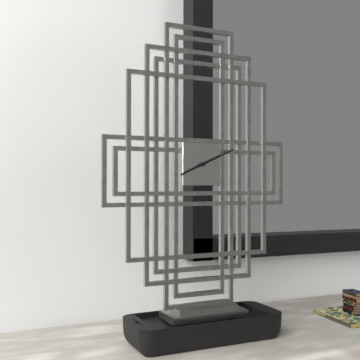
8h11
